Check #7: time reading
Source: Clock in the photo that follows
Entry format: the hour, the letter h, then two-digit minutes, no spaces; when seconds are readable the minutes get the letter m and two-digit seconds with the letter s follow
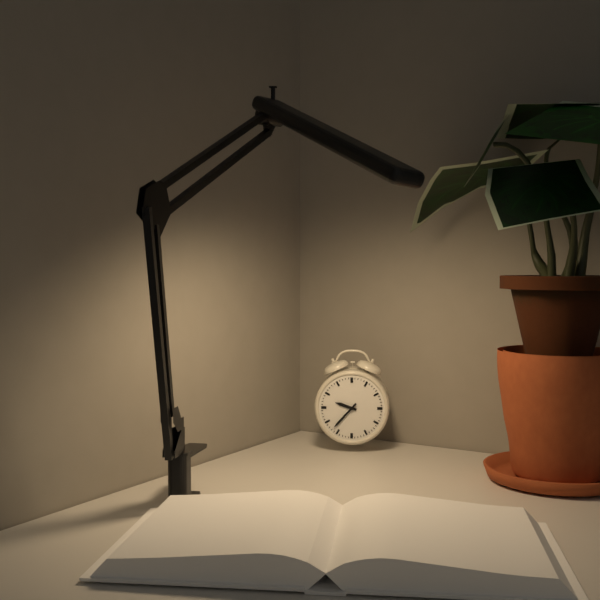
9h37
